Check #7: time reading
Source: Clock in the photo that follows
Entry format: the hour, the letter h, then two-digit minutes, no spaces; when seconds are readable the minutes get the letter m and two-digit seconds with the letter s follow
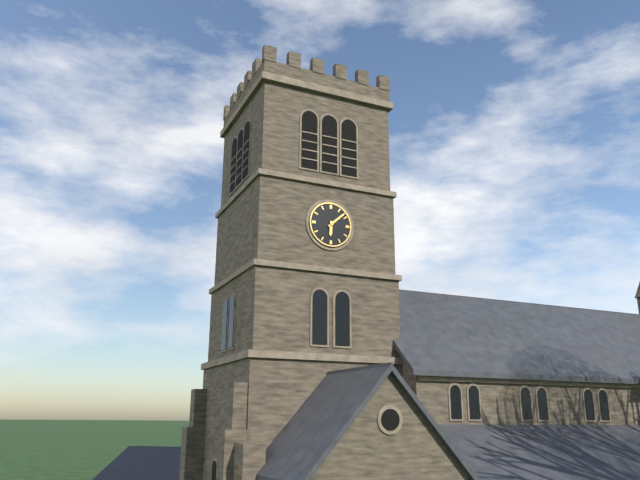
6h08
